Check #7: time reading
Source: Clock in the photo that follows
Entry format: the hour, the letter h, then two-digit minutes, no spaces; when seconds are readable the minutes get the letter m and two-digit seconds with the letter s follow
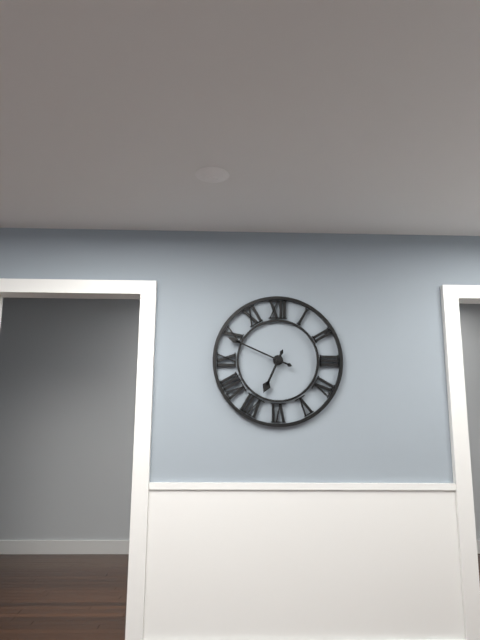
6h49
